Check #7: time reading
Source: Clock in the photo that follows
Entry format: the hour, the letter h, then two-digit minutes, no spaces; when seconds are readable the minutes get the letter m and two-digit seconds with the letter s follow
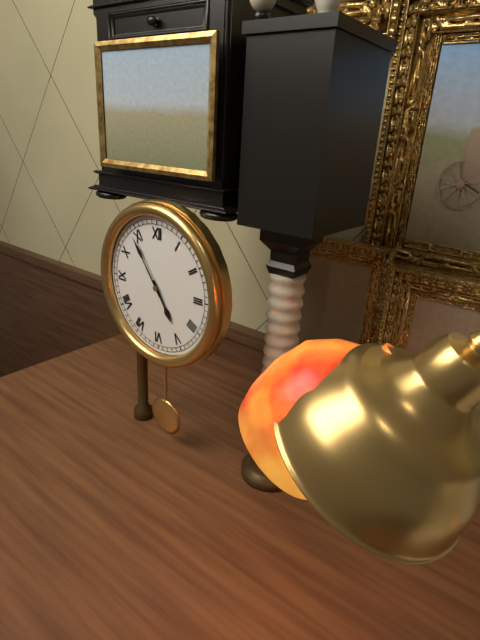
4h54
